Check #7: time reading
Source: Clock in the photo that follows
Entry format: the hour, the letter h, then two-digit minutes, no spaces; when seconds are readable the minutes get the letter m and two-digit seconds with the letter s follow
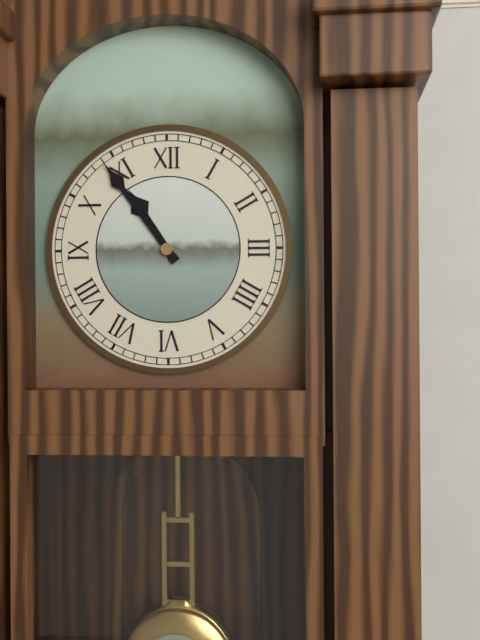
10h54
